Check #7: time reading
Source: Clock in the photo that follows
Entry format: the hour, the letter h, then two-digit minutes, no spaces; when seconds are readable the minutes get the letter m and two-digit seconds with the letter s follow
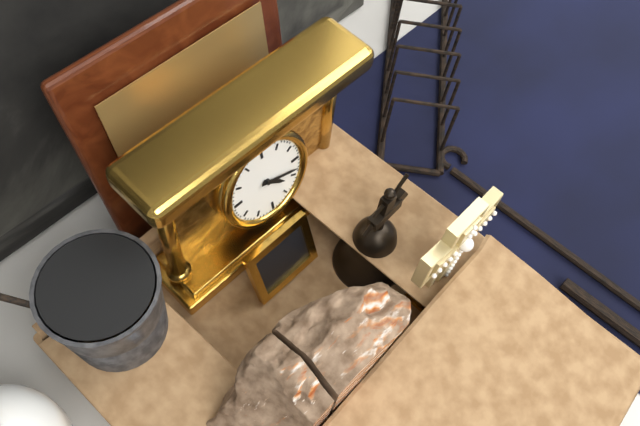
4h18
